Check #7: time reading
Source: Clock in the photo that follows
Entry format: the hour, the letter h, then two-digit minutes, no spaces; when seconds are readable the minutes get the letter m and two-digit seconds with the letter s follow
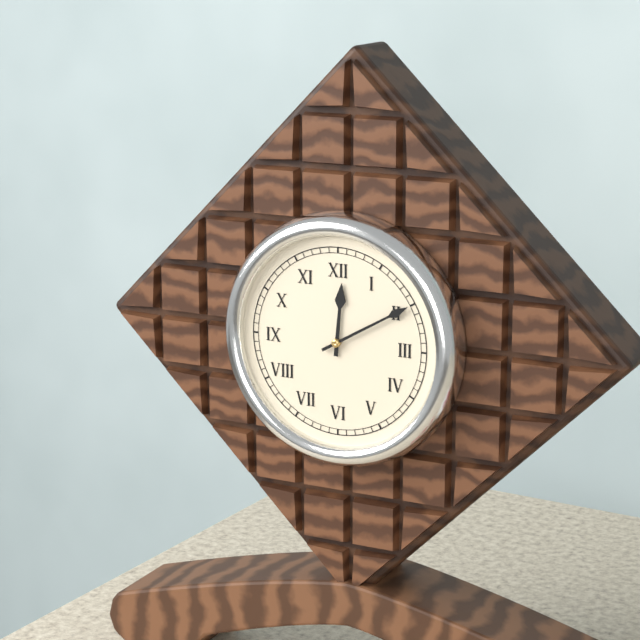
12h10
